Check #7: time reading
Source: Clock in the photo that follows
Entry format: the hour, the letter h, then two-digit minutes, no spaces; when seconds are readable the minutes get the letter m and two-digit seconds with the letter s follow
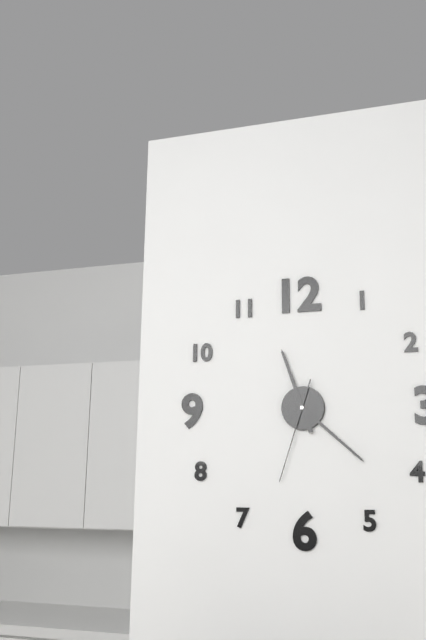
11h22m33s
